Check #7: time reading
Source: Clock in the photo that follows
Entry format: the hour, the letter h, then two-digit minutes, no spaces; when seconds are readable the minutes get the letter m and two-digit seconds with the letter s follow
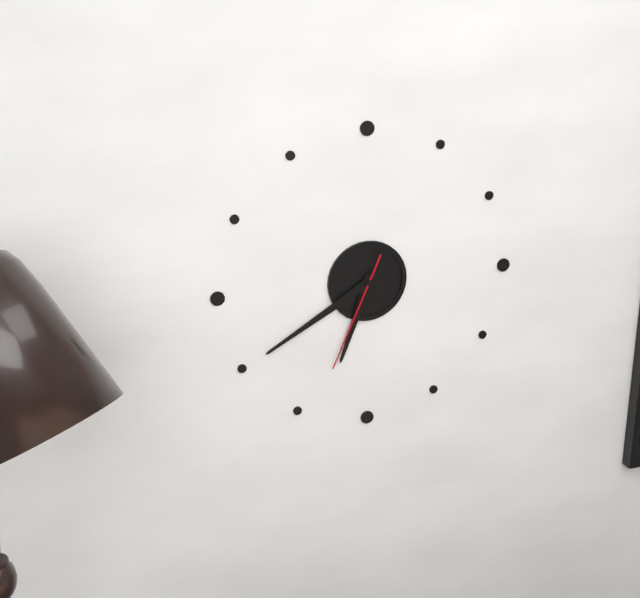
6h40m34s
